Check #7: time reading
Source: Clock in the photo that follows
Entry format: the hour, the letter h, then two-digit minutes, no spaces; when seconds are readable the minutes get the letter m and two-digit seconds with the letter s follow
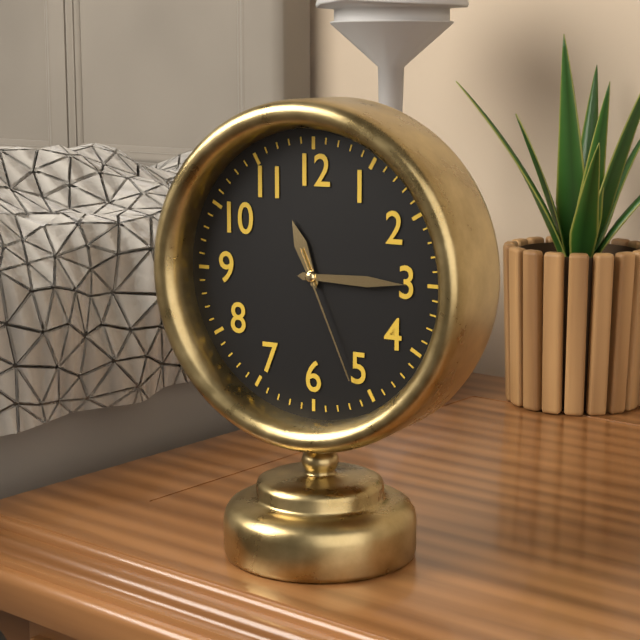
11h15m26s
